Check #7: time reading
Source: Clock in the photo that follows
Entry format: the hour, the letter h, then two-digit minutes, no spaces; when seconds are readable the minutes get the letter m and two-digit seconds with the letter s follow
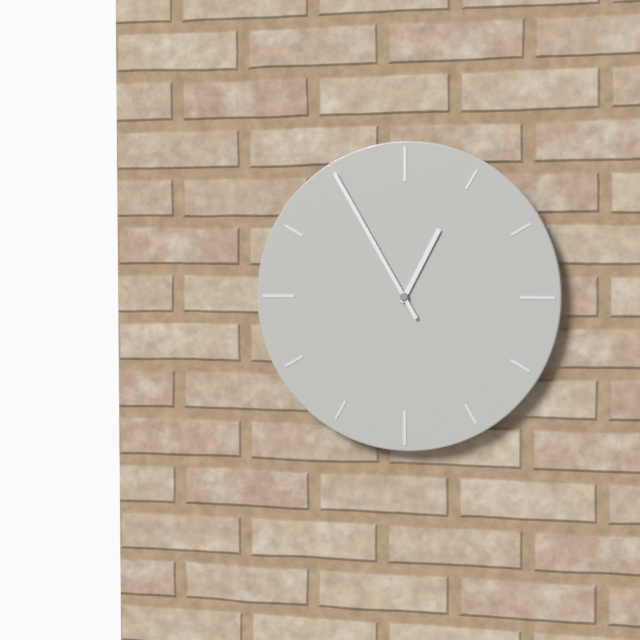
12h55
